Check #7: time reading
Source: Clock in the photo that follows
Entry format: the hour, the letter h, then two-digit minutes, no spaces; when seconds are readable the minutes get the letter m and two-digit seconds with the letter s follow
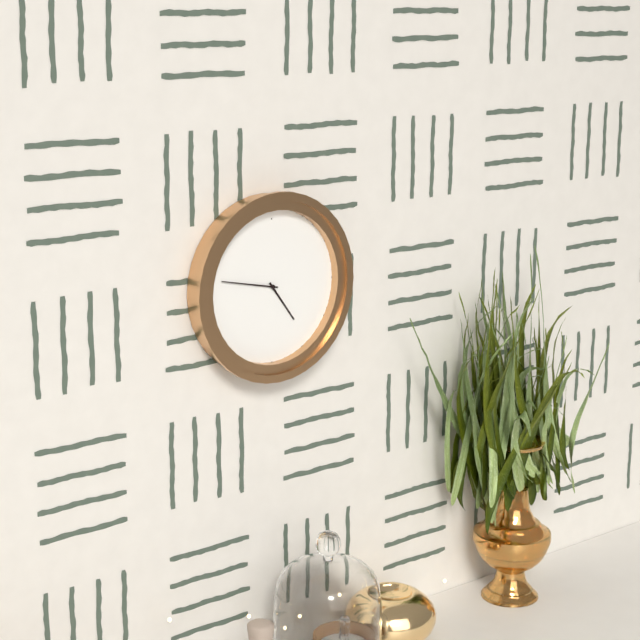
4h47
